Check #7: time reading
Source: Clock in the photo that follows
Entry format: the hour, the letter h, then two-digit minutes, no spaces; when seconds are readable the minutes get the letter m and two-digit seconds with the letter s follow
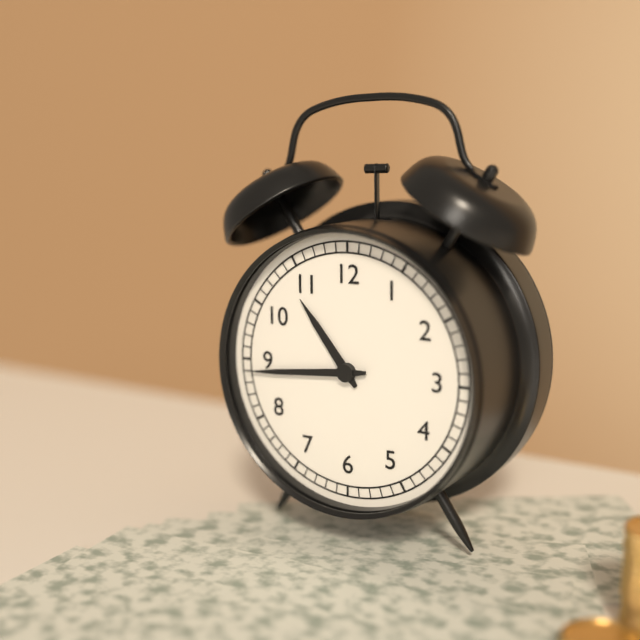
10h44
